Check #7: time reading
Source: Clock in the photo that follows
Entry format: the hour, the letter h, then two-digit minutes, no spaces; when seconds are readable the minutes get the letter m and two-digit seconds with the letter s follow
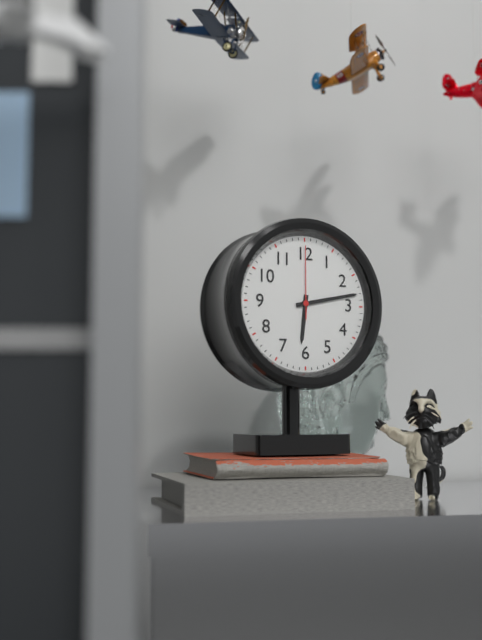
6h13m00s
